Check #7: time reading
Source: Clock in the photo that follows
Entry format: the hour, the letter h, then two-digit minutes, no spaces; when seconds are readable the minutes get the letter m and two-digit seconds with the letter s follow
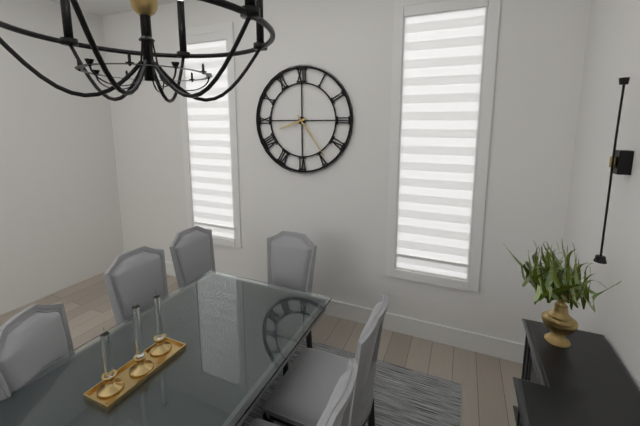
8h24
